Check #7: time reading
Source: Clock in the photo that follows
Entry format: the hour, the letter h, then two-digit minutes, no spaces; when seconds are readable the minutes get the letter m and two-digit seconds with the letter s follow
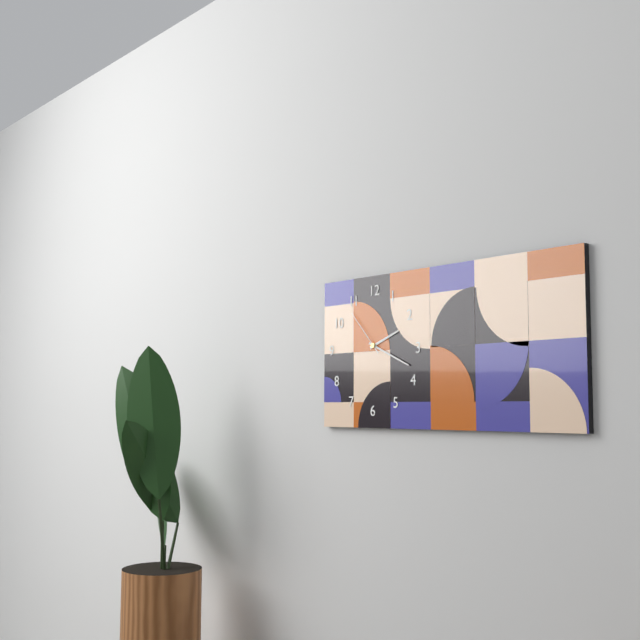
2h19
